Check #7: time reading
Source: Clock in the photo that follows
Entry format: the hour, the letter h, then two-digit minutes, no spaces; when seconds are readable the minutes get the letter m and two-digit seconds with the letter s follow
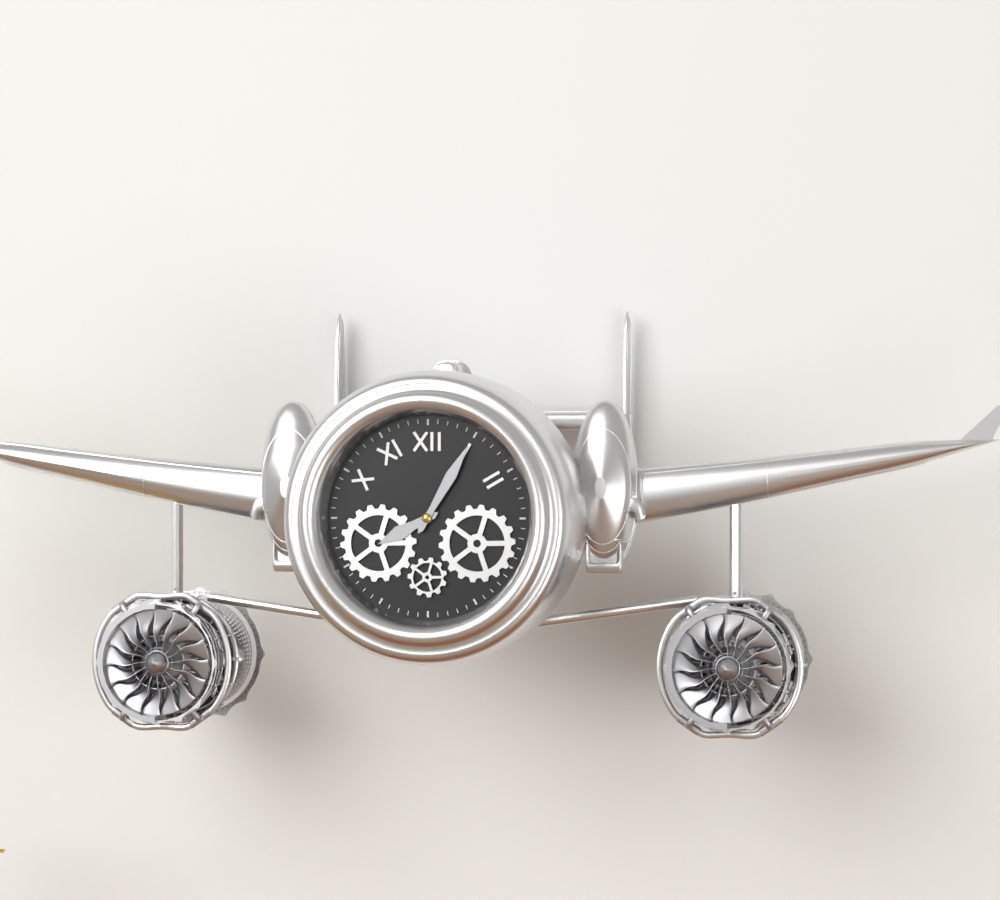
8h05
